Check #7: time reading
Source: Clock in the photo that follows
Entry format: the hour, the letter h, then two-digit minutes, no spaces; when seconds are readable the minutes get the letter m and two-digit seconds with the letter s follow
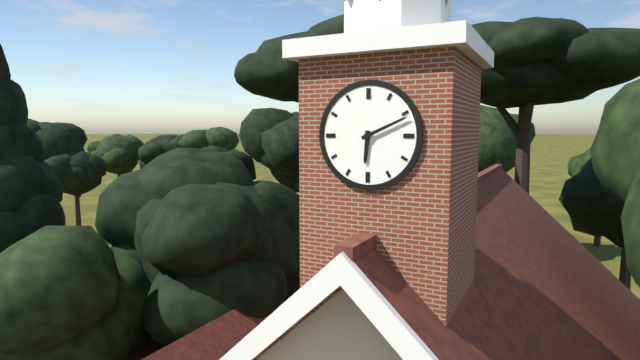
6h11
